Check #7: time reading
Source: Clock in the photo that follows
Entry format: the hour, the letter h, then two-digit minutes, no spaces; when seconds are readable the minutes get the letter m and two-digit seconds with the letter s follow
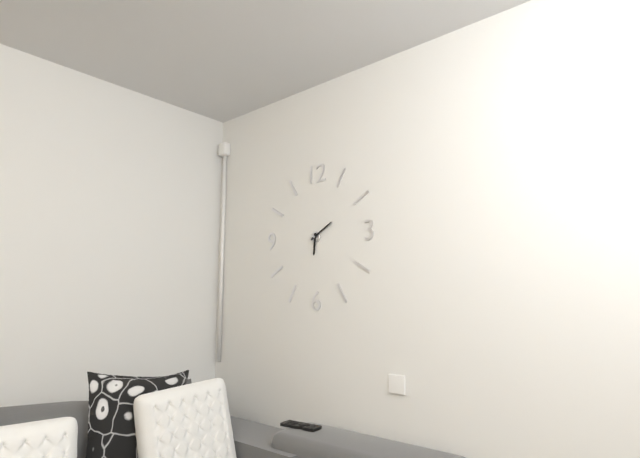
6h10
